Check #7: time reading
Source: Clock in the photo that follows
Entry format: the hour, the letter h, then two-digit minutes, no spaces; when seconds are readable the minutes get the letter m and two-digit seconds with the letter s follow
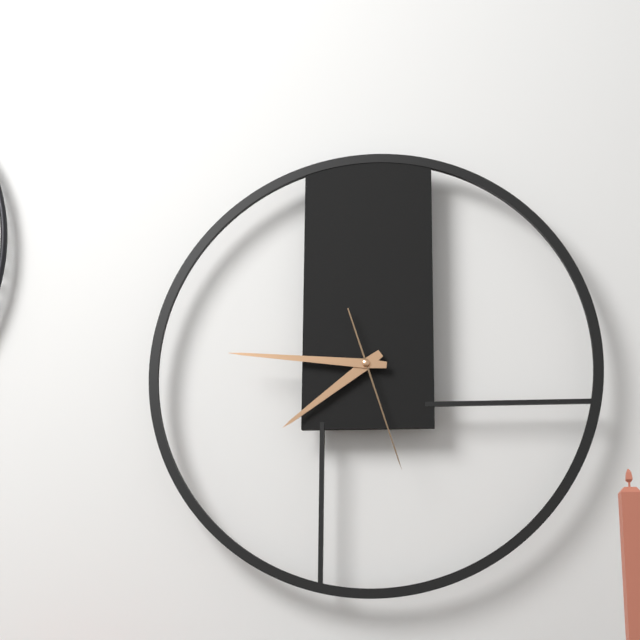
7h46m27s
